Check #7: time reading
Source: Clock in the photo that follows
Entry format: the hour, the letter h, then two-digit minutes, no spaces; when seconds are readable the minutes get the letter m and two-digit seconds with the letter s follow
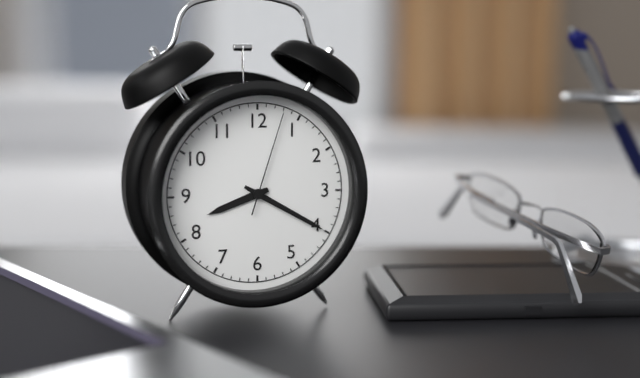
8h20m03s
